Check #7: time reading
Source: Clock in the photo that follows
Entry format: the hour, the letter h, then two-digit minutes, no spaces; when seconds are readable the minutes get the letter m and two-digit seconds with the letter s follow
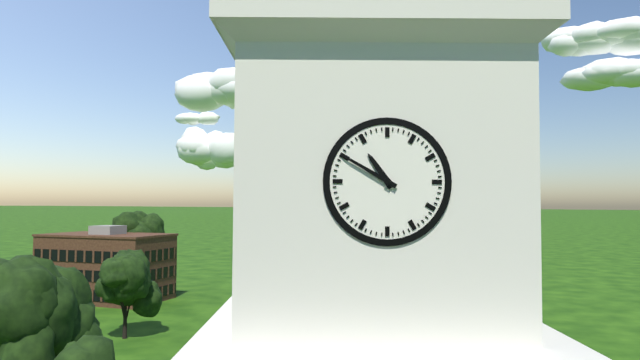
10h50
